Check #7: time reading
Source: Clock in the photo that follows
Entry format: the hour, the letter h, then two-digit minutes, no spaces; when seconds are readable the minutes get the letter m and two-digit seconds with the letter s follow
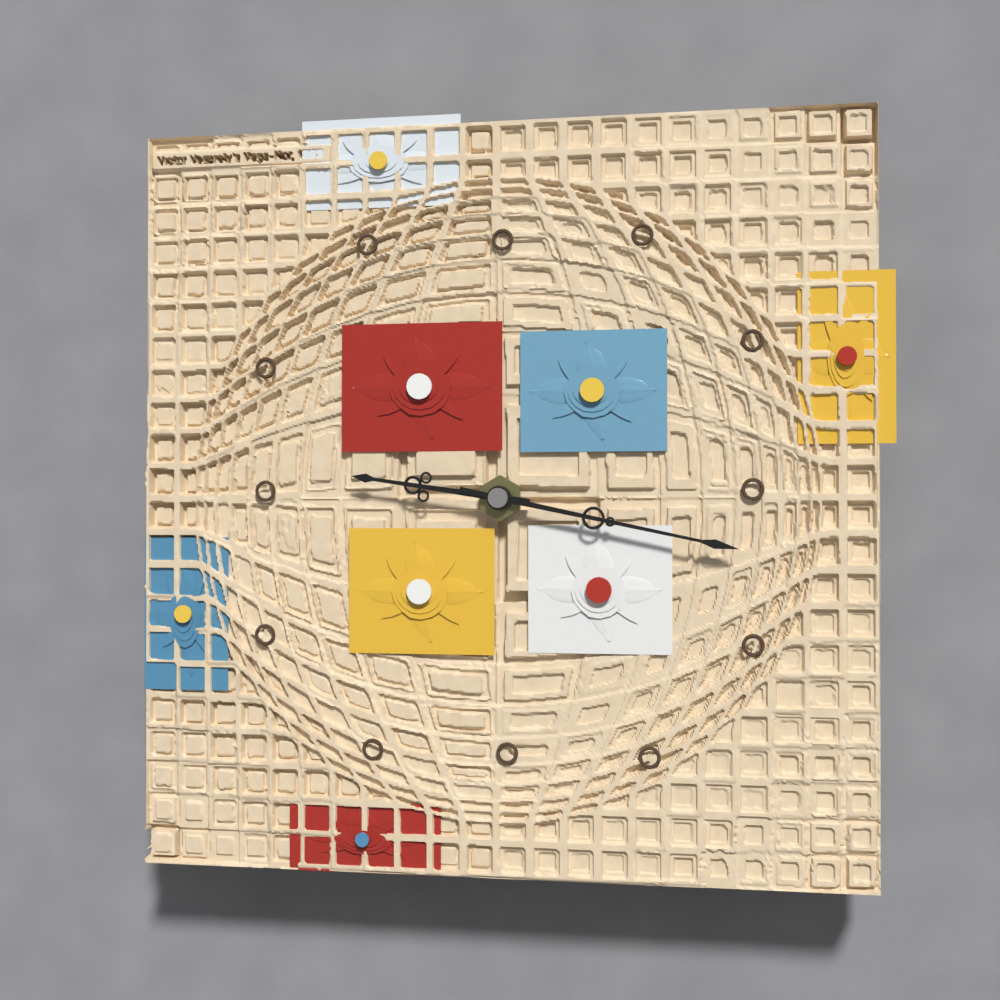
9h17
